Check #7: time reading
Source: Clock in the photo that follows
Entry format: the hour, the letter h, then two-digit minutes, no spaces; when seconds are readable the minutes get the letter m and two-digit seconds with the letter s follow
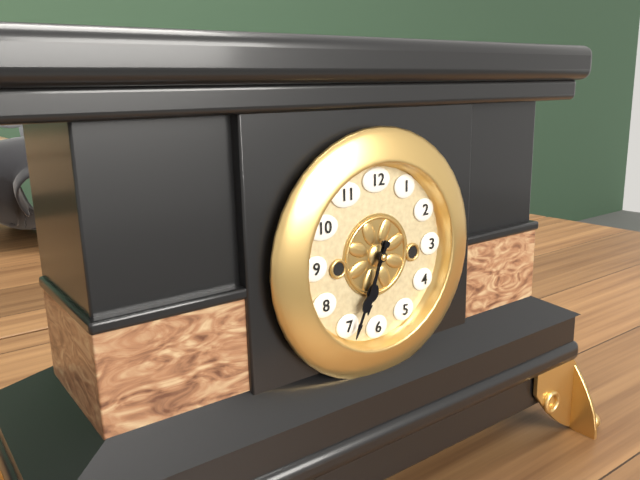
6h34
